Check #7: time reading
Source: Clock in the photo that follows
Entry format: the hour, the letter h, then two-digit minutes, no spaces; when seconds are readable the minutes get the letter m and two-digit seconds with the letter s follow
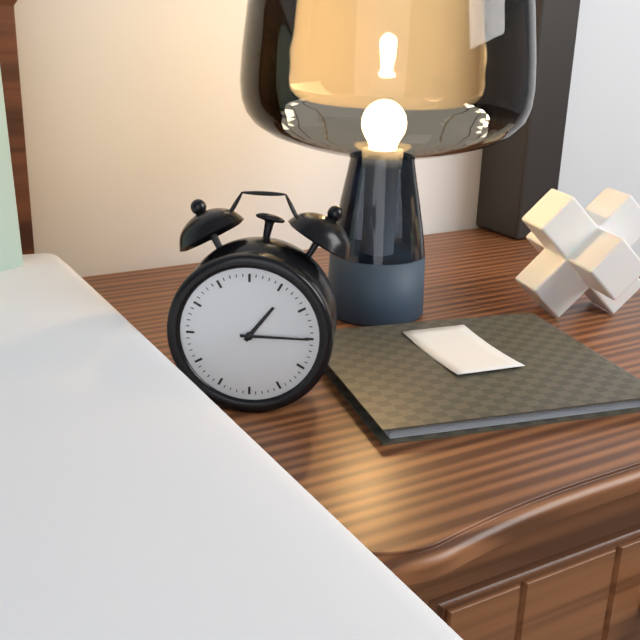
1h15
